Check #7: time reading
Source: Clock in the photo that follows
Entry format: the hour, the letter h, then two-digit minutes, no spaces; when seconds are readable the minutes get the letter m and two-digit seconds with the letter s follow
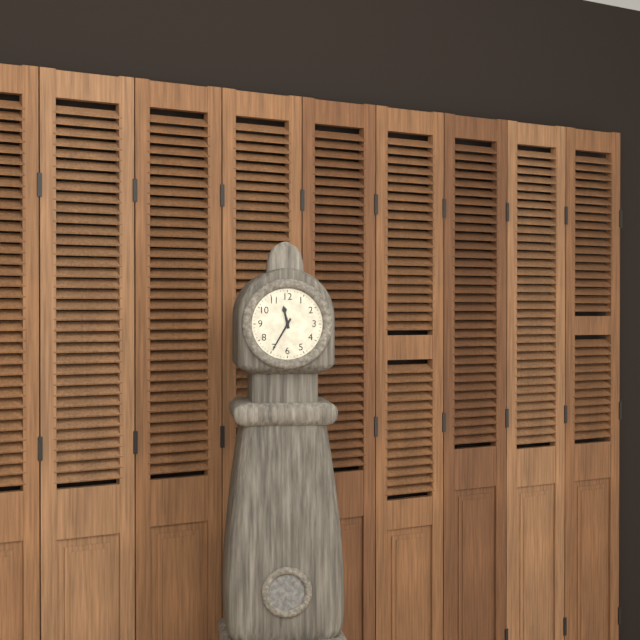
11h35
